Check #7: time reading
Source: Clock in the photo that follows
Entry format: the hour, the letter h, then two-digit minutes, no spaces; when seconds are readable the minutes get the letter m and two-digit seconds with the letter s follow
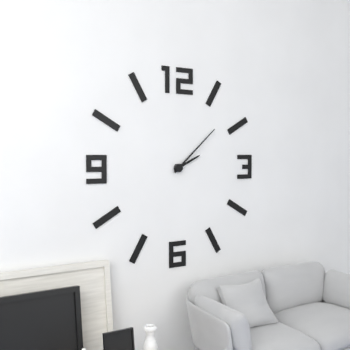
2h08
